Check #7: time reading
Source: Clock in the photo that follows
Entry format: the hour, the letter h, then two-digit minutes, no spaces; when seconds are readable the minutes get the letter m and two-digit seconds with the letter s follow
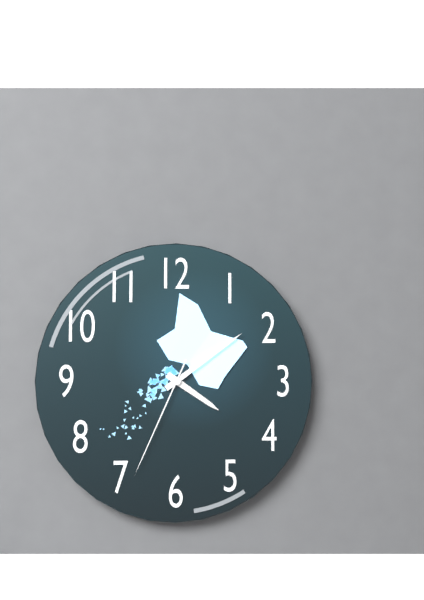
4h09m34s
